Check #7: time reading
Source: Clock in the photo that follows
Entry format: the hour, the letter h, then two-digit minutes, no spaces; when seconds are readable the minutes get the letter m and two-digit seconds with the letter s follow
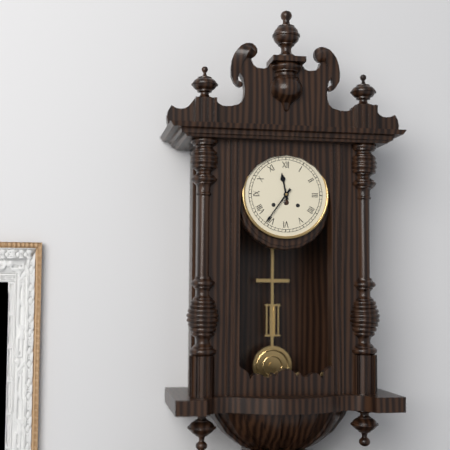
11h36
